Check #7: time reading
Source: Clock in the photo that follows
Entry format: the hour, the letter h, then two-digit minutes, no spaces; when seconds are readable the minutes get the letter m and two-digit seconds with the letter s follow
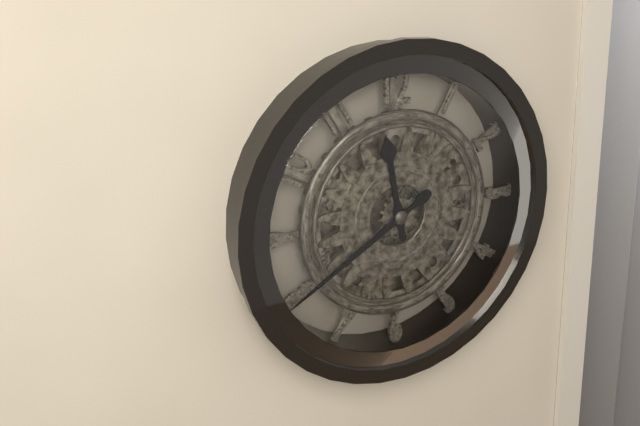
11h40
